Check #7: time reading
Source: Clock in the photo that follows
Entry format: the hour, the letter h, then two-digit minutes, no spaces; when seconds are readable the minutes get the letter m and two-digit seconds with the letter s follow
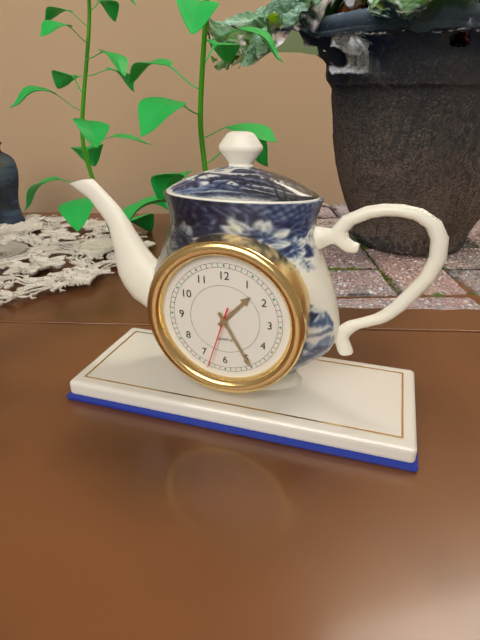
1h25m33s
